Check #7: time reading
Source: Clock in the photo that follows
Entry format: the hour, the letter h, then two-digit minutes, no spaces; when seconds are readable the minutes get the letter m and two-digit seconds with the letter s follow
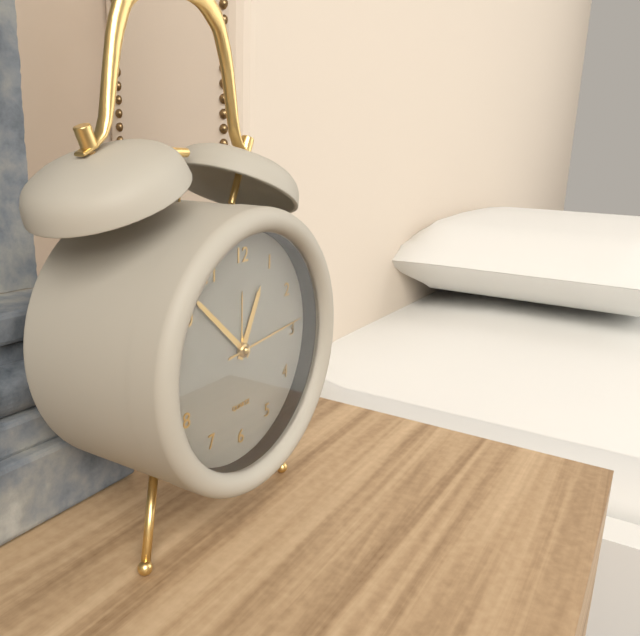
12h52m14s
